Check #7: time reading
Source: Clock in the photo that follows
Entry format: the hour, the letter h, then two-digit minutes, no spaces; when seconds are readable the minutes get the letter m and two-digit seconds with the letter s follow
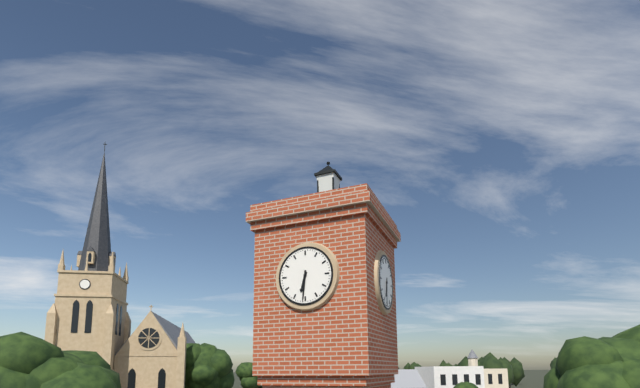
6h31
